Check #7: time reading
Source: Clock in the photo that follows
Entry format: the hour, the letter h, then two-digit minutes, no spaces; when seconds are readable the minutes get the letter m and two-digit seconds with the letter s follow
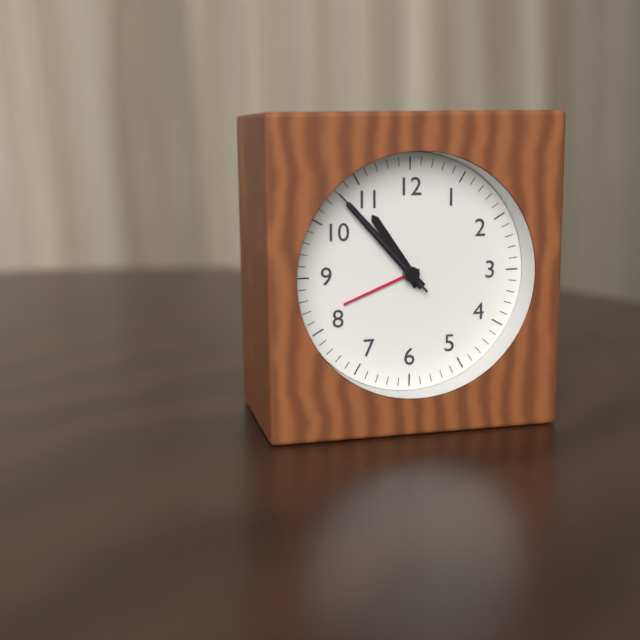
10h53m53s
